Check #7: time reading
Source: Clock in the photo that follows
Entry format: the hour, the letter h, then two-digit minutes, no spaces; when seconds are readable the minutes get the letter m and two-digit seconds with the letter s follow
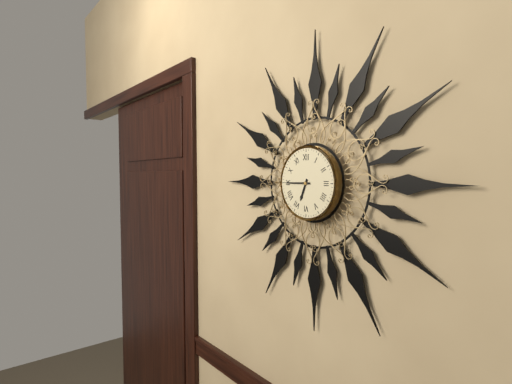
6h45
